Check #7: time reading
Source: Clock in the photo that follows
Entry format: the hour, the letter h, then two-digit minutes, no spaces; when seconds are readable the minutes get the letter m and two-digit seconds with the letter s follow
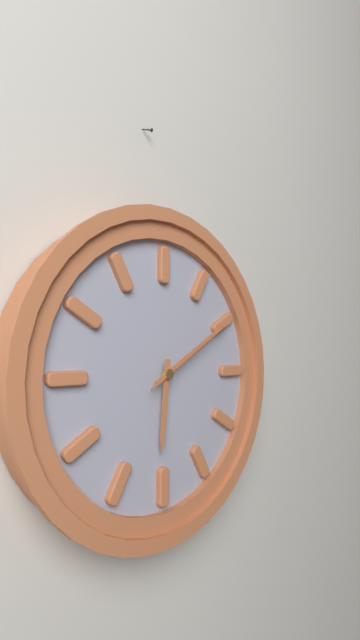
6h10m10s
